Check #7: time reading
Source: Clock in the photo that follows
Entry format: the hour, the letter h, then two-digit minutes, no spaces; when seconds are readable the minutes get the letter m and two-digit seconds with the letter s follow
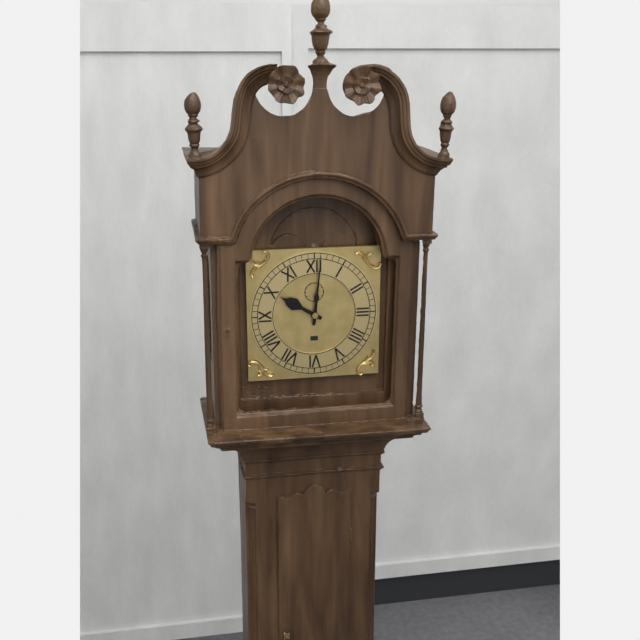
10h01
